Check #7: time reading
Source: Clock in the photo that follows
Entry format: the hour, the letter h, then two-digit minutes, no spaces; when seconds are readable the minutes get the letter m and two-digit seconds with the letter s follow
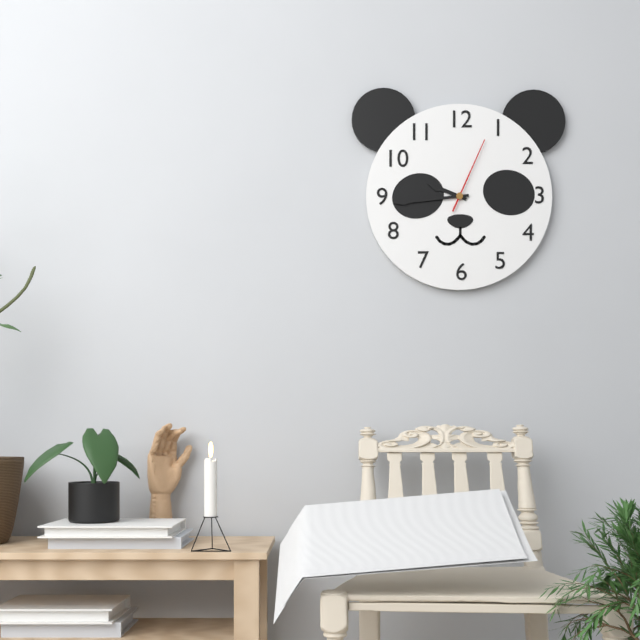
9h44m04s
